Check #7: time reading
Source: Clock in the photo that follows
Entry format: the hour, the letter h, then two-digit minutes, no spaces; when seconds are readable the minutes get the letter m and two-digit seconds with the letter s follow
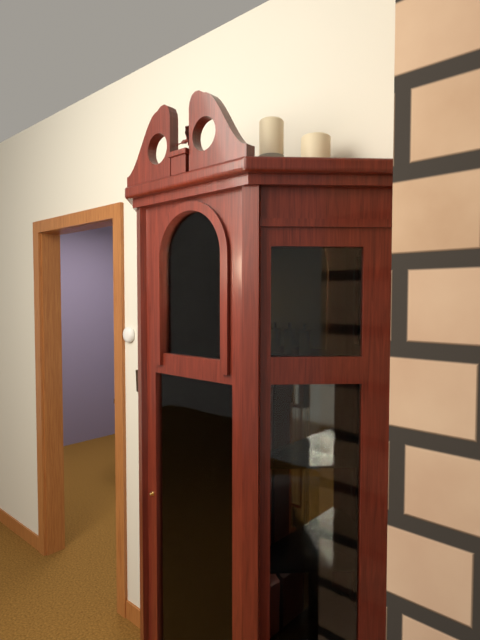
5h05
